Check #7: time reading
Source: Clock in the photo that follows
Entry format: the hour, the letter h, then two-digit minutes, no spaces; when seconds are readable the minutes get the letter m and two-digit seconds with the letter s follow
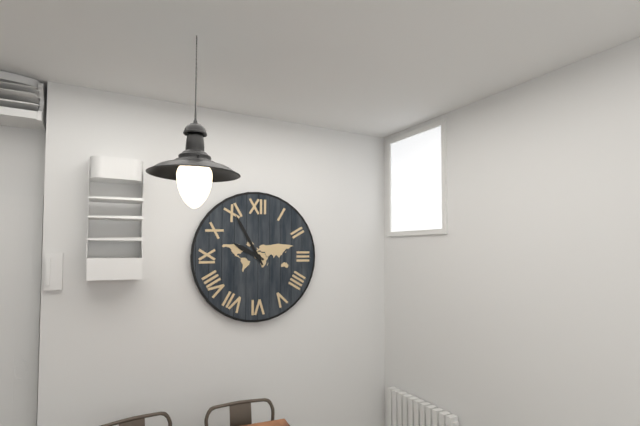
9h55
